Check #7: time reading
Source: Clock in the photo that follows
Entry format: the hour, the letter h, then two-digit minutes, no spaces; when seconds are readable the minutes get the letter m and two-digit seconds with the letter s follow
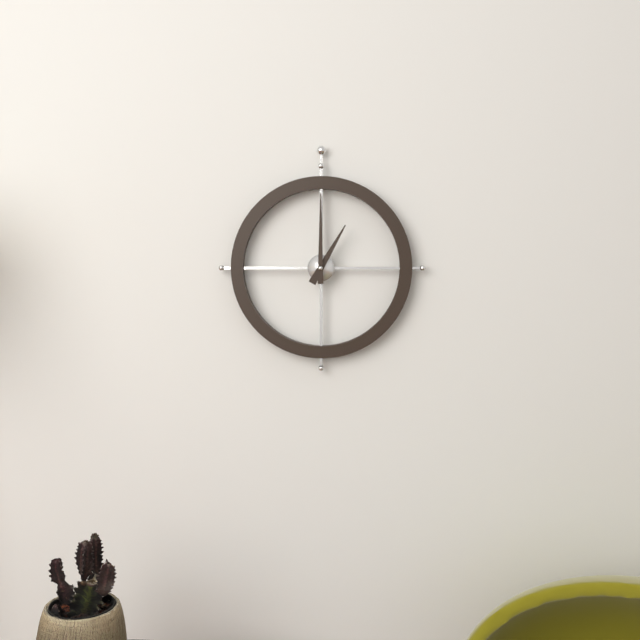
1h00
